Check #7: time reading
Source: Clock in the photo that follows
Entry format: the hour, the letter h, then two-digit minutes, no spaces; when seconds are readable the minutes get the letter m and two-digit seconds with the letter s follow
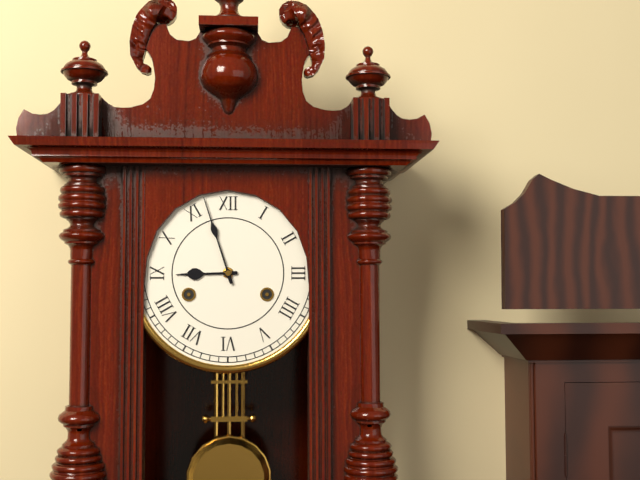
8h57
